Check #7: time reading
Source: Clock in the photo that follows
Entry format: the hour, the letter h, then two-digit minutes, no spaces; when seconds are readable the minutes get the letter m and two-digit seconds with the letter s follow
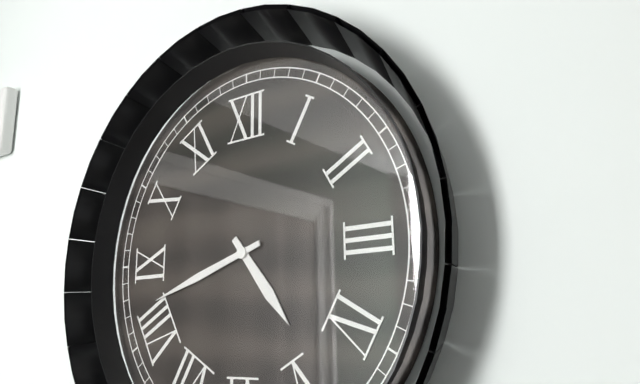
4h42
